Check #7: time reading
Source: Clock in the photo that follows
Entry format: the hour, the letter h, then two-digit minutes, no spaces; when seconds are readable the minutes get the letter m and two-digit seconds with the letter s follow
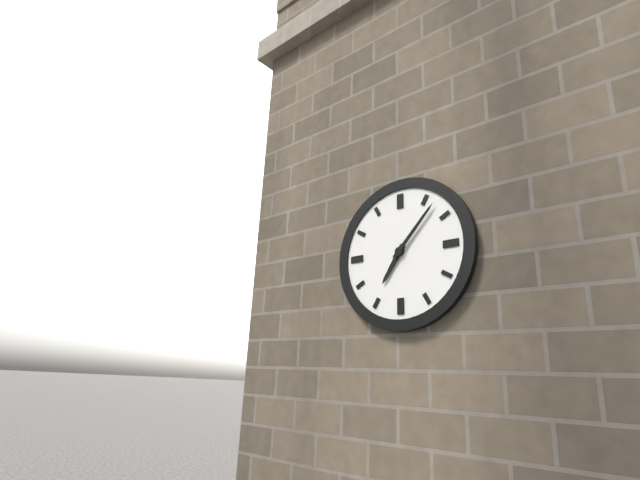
7h07
